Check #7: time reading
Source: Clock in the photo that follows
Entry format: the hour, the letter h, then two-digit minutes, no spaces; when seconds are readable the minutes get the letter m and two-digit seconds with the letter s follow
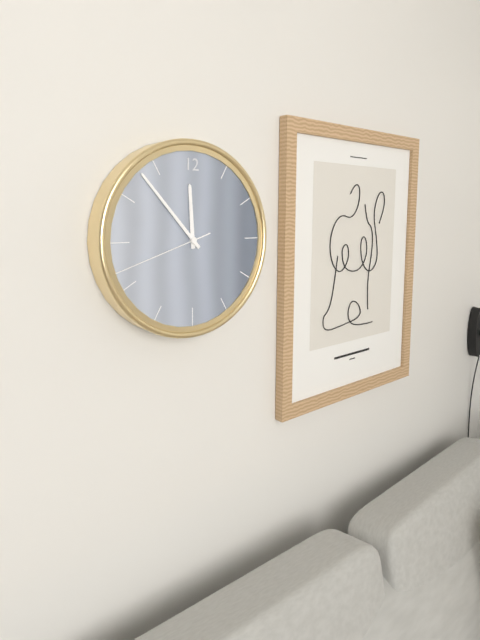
11h53m42s
